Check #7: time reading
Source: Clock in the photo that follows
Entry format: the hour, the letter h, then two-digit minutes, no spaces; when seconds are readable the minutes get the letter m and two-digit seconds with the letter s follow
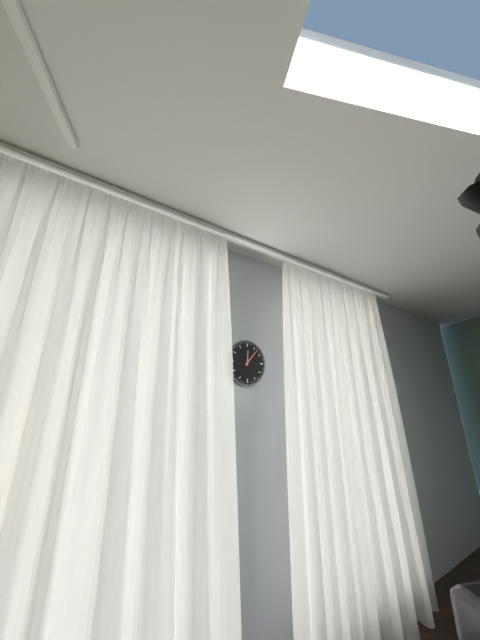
12h07
